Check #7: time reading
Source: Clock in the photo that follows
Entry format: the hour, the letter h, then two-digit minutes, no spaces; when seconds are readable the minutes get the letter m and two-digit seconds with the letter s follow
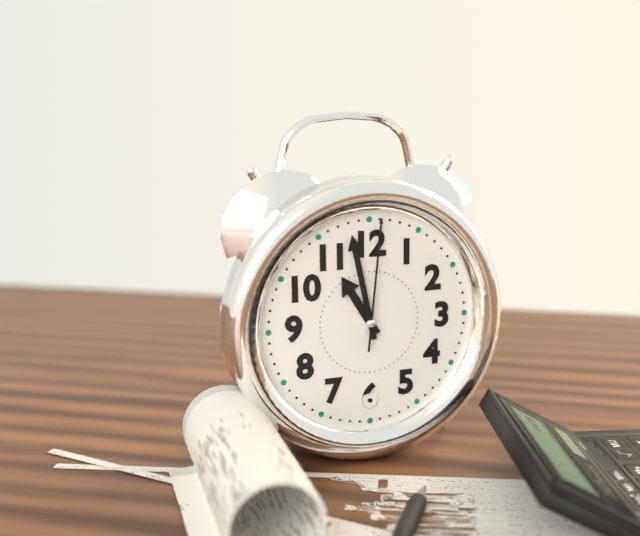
10h58m01s
